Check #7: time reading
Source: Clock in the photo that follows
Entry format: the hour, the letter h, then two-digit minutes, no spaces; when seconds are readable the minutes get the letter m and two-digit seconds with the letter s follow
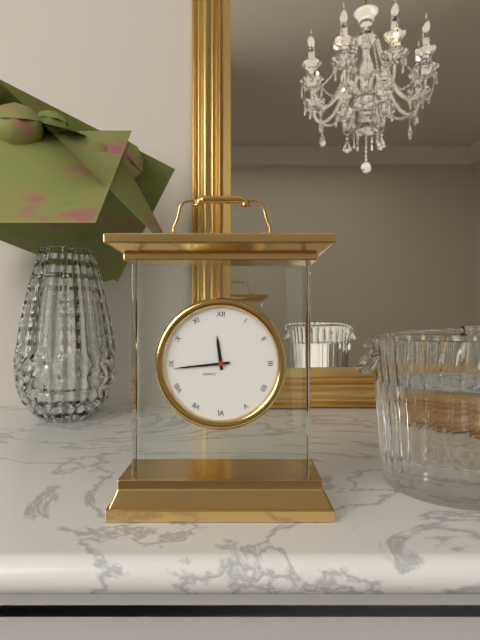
11h44
